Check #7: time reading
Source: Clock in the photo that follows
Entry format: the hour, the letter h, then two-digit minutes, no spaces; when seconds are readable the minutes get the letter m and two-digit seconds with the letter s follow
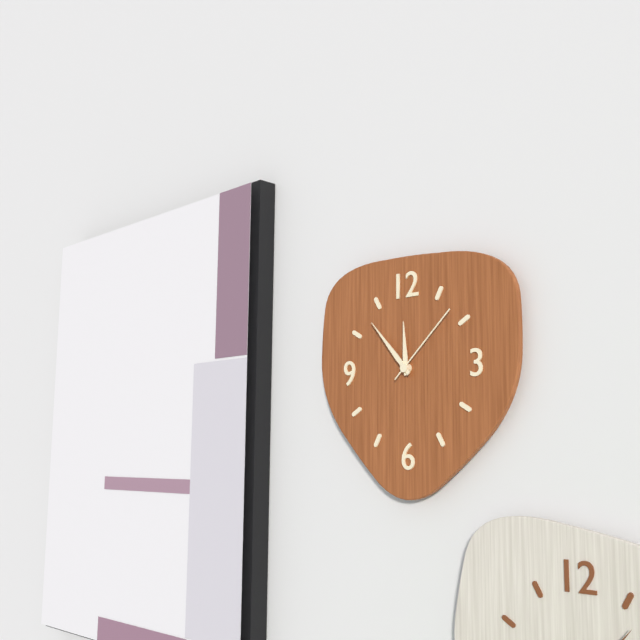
11h53m08s
